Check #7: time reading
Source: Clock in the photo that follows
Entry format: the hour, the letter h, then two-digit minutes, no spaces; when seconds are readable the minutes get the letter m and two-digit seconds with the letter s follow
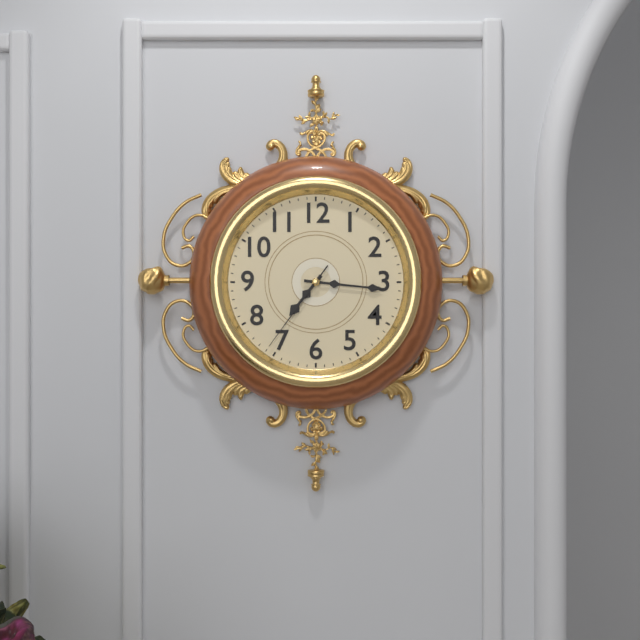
7h16m36s
